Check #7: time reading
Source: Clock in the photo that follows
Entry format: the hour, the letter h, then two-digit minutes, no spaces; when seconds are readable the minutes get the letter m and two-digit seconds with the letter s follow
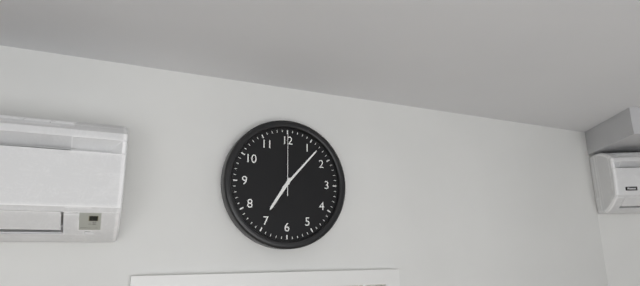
7h07m00s
